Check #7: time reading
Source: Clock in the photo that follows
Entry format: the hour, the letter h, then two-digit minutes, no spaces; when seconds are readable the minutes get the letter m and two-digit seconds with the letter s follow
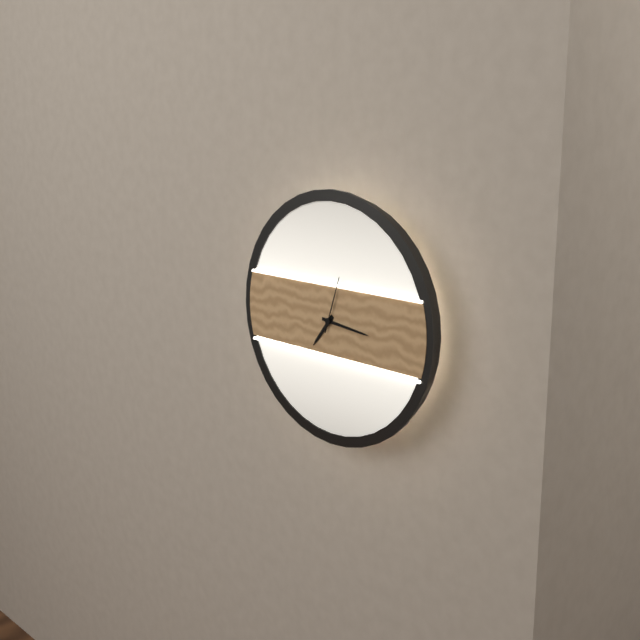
7h16m03s
